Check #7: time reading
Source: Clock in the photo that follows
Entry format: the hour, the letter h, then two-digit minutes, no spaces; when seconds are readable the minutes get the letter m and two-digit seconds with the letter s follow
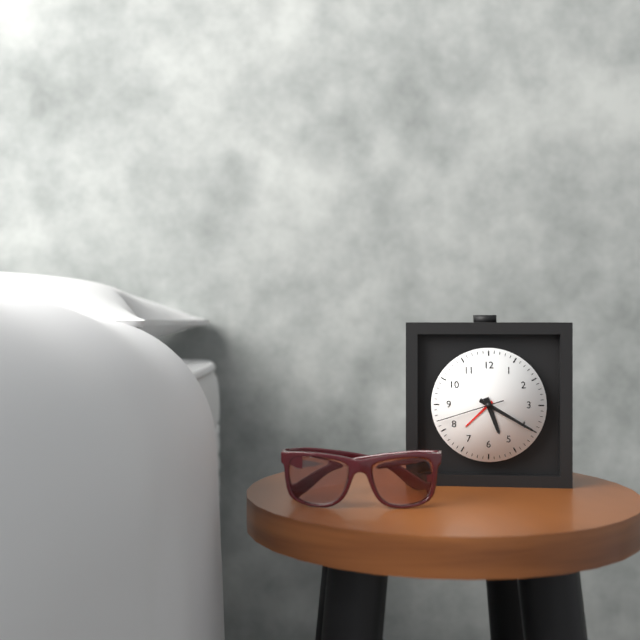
5h20m42s
